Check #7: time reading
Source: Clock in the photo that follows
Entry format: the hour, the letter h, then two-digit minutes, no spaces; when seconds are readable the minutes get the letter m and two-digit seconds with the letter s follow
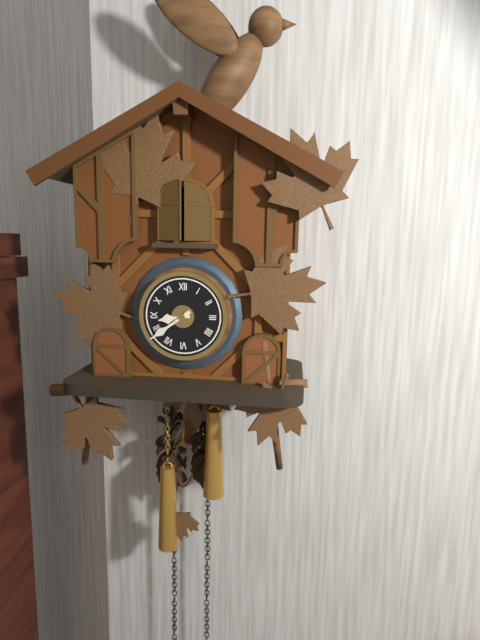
8h39
